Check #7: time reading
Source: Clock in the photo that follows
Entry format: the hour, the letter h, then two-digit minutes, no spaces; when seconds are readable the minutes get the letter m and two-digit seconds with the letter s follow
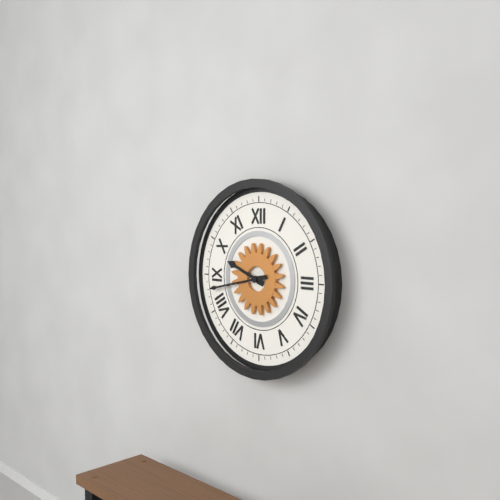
9h43
